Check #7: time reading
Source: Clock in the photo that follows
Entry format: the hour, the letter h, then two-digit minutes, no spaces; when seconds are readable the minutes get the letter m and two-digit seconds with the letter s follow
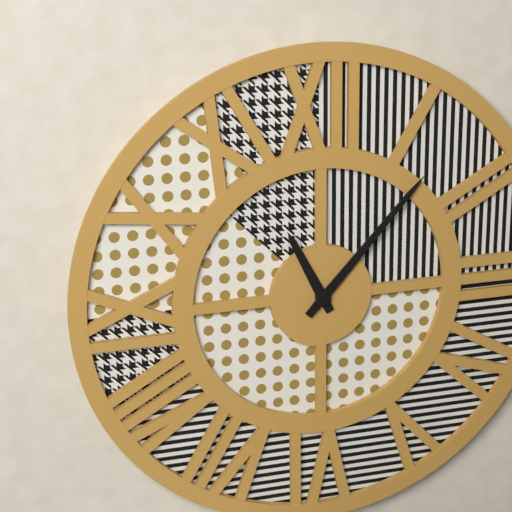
11h07
